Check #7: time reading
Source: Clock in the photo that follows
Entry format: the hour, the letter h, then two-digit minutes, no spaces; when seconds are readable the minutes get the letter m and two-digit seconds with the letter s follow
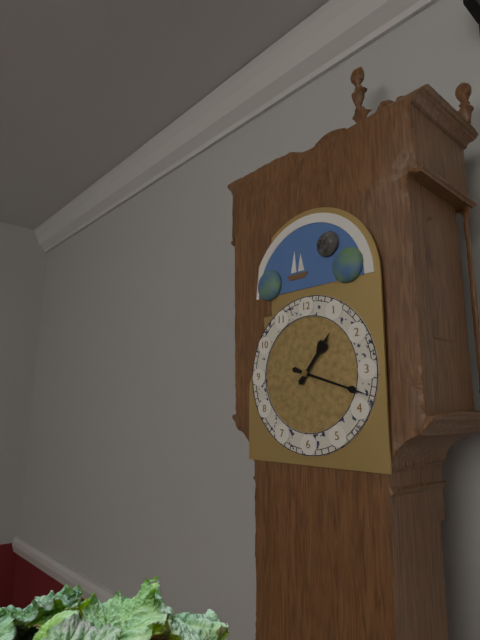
1h18
